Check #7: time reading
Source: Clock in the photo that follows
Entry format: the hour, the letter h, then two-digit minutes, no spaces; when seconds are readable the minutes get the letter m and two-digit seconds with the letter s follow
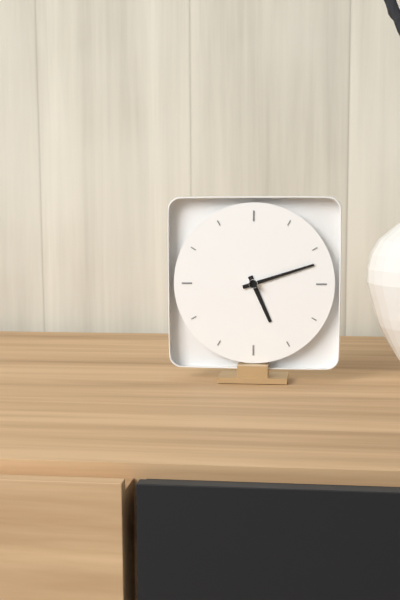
5h12
